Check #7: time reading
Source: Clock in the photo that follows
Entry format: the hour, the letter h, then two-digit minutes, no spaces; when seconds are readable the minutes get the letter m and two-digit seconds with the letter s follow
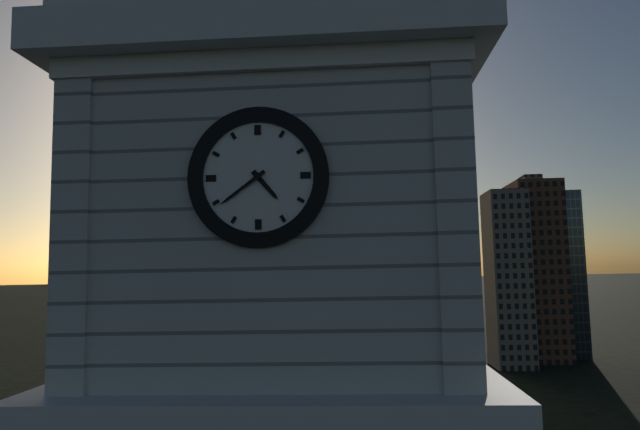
4h39
